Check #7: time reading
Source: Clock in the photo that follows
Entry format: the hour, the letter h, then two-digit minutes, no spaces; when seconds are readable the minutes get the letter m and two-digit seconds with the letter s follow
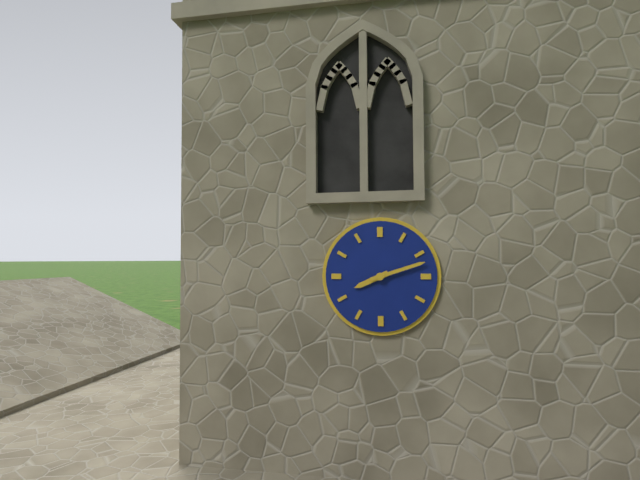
8h12
